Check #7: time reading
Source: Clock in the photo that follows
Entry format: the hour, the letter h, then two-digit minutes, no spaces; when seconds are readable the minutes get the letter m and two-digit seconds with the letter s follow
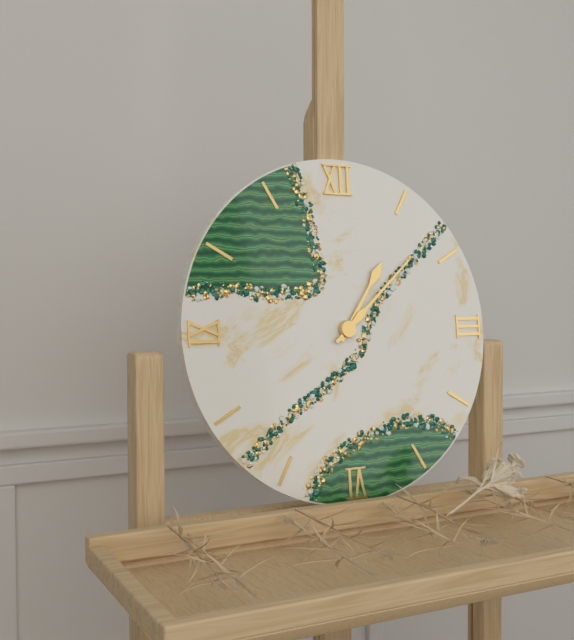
1h08
